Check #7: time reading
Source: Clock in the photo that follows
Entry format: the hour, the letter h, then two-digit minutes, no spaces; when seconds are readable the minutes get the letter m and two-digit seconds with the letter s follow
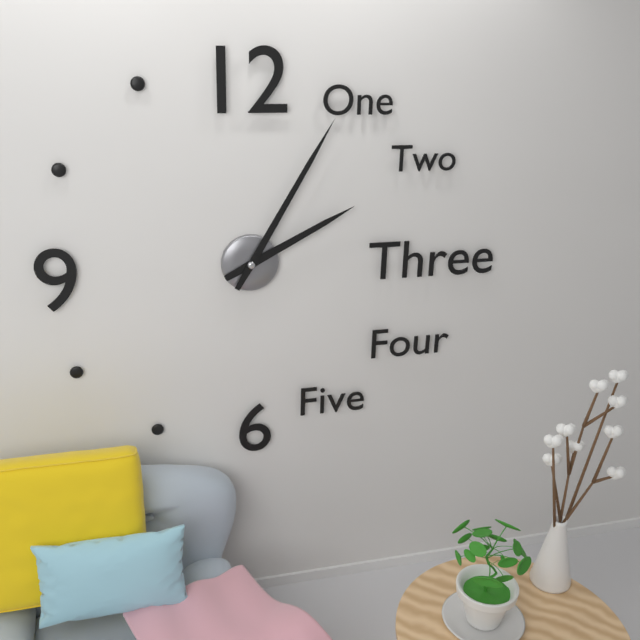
2h05
